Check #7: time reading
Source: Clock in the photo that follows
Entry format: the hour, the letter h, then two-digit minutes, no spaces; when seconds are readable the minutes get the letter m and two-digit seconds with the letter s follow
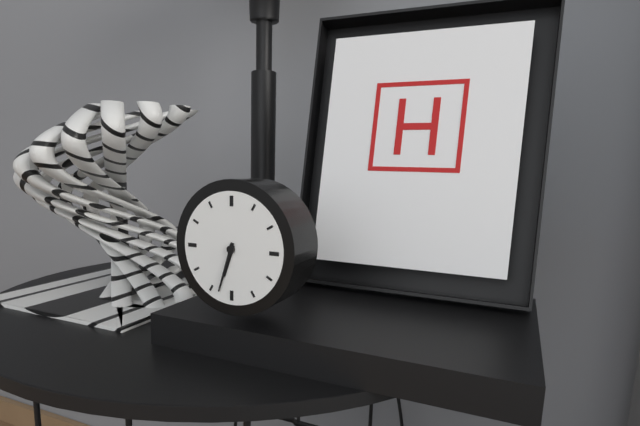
6h33
